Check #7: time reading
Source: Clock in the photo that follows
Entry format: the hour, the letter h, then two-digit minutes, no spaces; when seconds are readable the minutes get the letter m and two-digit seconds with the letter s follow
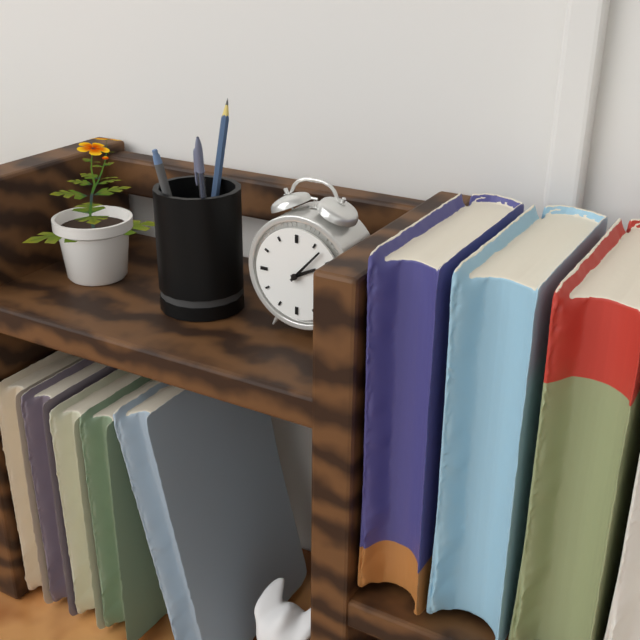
2h07
